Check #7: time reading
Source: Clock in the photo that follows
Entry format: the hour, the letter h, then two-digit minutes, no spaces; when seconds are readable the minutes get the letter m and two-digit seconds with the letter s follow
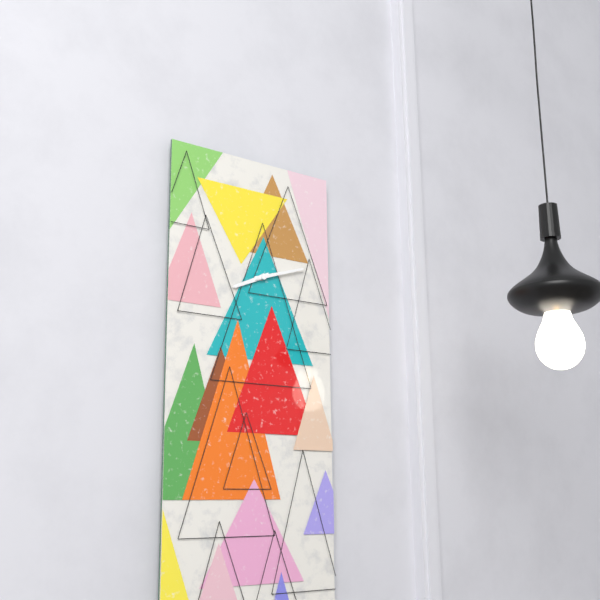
8h12
